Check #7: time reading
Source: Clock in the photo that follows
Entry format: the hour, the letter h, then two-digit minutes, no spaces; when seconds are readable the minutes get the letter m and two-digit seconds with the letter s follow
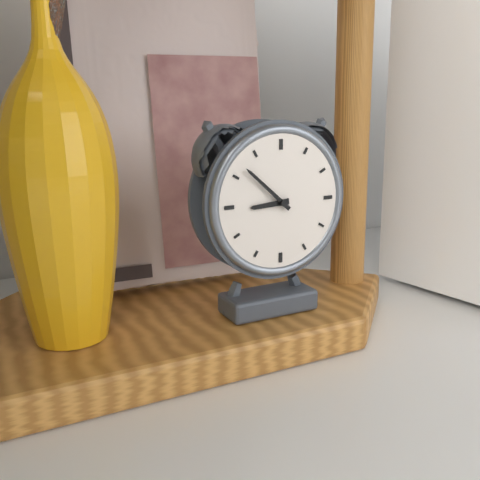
8h52
